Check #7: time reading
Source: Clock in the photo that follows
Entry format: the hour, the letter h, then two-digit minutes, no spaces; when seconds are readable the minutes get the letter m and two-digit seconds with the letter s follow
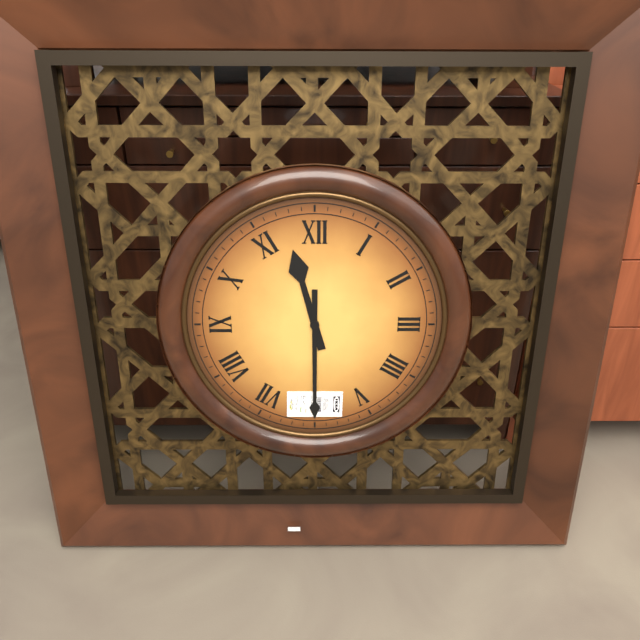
11h30
